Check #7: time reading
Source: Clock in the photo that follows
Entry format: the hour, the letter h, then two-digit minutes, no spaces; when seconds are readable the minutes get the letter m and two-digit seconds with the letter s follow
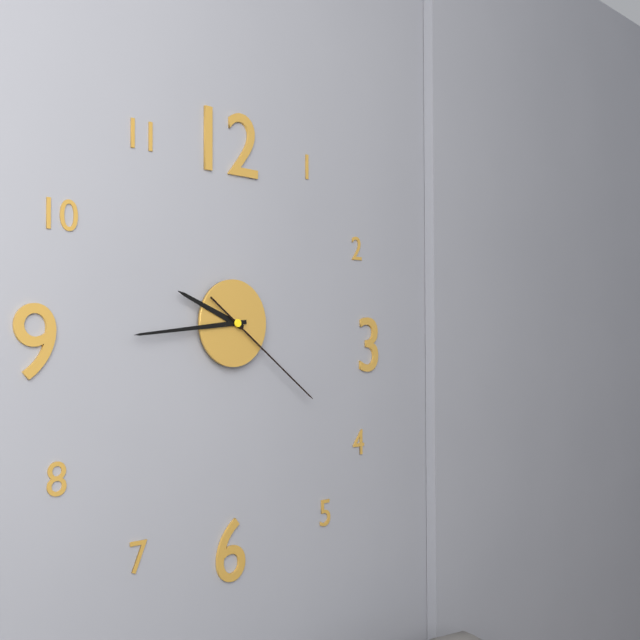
9h44m21s
